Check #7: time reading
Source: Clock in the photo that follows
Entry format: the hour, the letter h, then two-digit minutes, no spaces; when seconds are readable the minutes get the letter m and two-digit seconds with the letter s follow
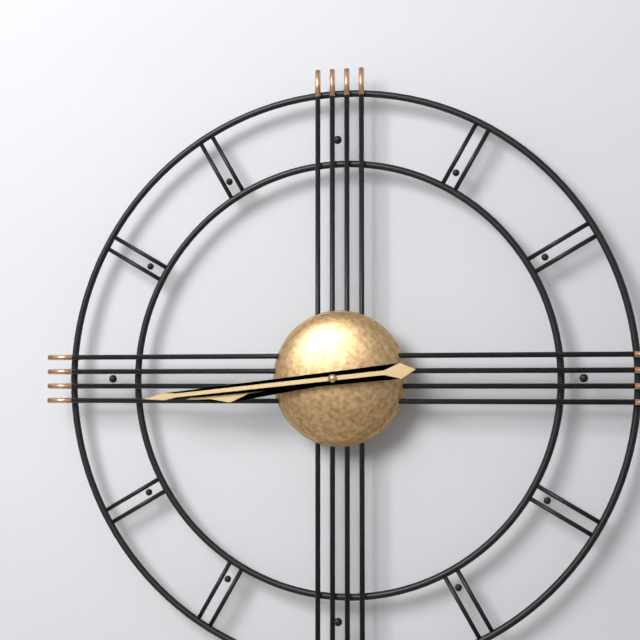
8h44
